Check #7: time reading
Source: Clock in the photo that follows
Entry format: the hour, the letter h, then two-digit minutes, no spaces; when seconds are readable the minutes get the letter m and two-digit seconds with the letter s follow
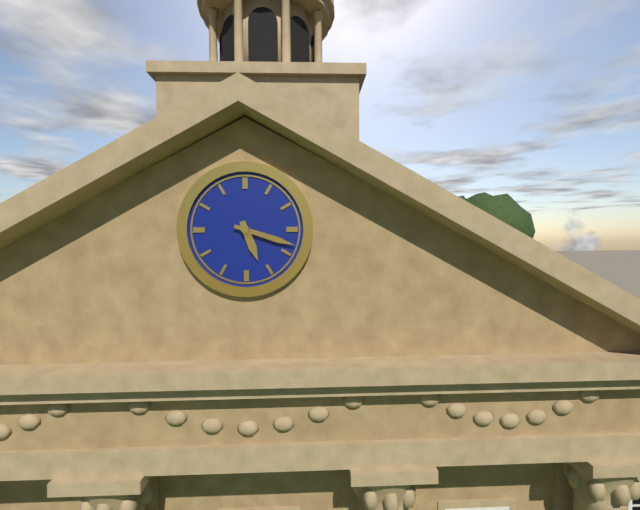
5h18
